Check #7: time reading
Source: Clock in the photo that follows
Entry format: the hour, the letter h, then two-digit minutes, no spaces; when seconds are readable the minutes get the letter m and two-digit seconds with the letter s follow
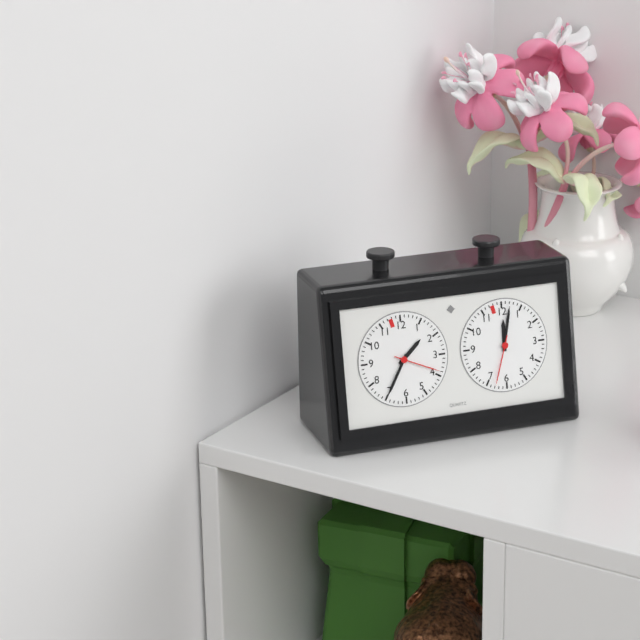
1h35
